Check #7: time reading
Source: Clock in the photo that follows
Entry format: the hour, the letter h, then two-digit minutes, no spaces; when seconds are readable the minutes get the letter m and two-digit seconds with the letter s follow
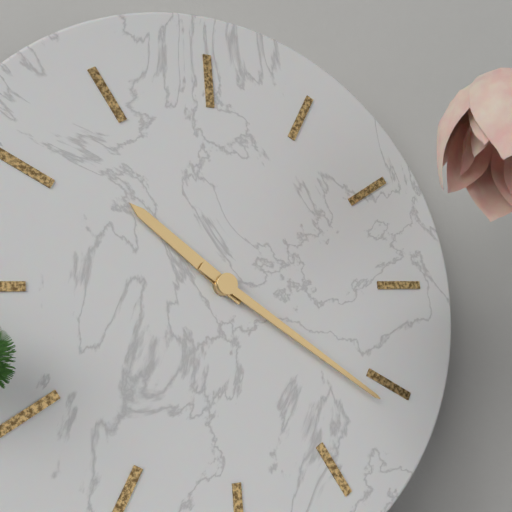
10h21
